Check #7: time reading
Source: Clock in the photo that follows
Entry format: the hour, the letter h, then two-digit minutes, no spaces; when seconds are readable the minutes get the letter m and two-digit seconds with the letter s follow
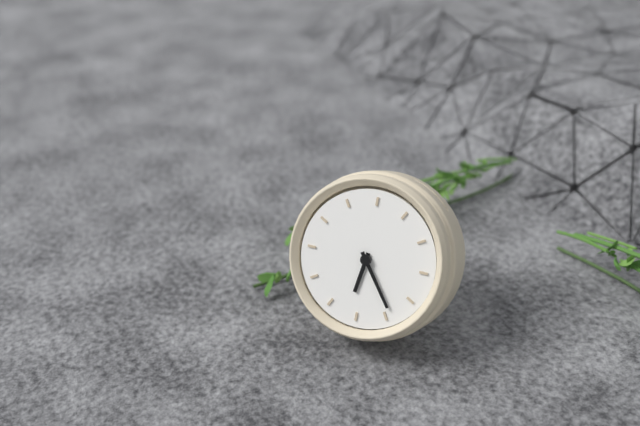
5h19
